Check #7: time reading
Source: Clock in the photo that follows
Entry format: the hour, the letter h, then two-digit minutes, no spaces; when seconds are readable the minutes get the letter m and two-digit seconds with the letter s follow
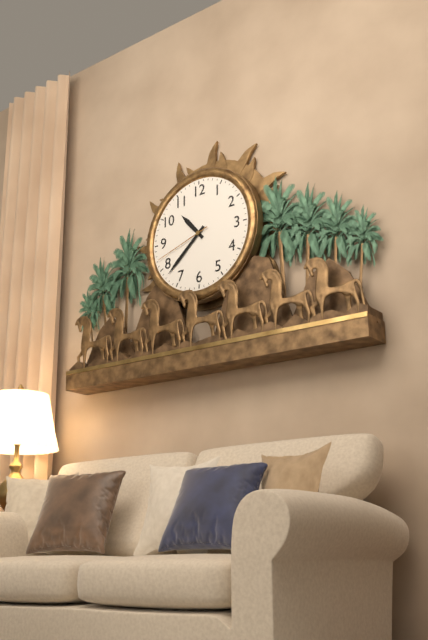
10h38m42s
